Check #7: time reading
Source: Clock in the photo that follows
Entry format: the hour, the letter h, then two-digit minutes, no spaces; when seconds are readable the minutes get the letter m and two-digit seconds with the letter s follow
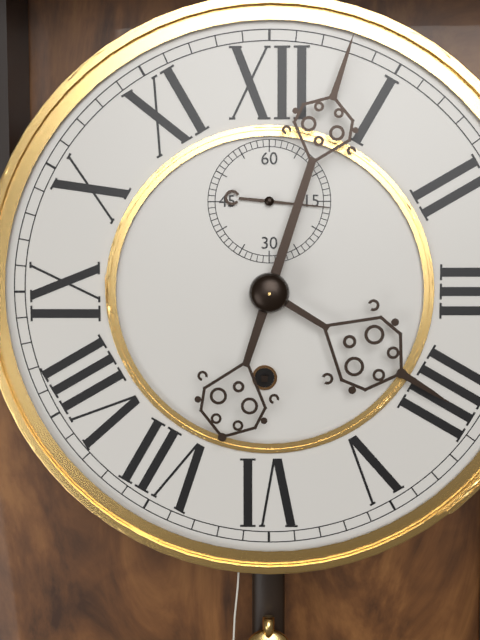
4h03m16s
